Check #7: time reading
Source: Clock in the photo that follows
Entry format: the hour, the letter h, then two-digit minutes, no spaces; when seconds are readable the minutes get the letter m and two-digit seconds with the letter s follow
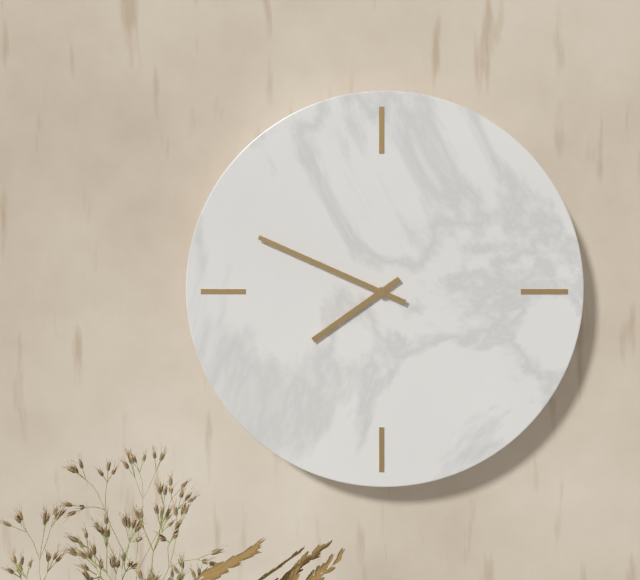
7h49
